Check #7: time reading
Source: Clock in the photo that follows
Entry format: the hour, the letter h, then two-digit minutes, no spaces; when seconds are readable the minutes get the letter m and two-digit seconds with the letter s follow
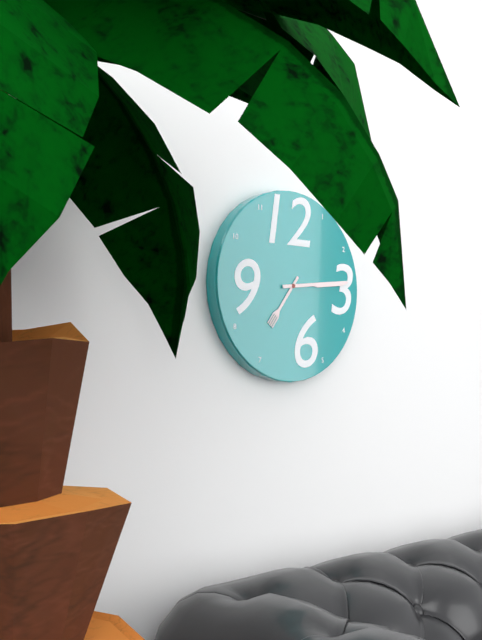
7h14
